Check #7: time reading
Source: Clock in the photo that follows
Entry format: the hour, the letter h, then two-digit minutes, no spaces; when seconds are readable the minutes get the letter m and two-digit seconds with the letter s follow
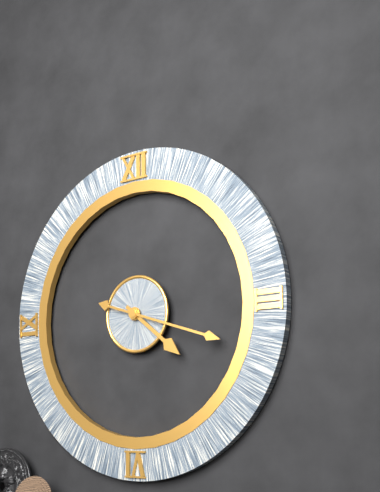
4h18
